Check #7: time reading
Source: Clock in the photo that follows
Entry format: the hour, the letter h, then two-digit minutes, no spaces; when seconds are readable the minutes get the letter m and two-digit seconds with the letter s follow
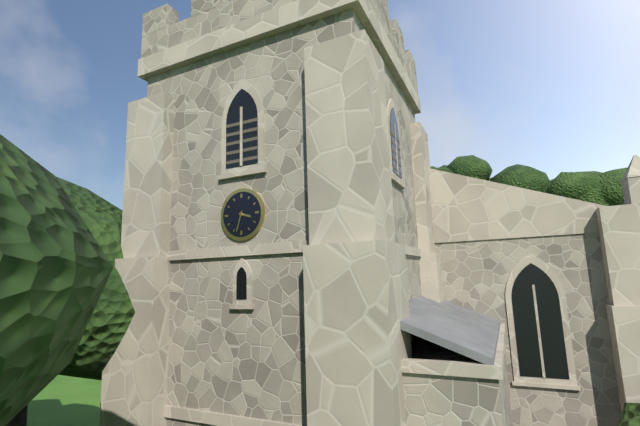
3h33
